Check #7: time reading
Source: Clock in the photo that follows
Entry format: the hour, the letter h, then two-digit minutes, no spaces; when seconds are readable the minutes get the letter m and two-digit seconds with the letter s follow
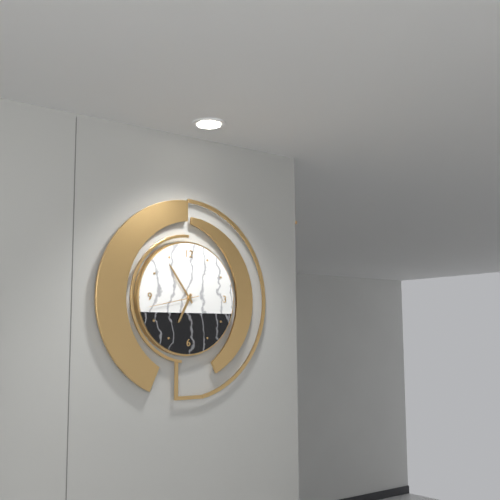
6h54
